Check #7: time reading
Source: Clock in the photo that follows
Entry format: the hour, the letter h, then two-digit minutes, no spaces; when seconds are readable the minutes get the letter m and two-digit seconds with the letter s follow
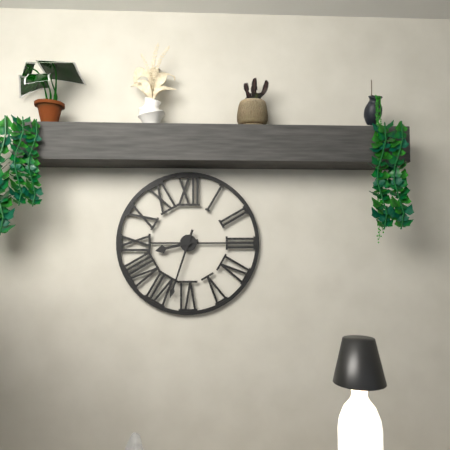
8h33
